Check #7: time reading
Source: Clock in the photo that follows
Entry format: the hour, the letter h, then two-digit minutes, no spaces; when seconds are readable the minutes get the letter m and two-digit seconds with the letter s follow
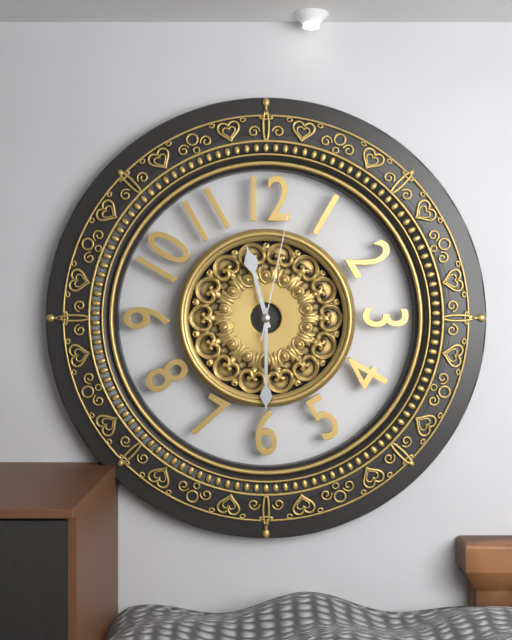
11h30m02s
